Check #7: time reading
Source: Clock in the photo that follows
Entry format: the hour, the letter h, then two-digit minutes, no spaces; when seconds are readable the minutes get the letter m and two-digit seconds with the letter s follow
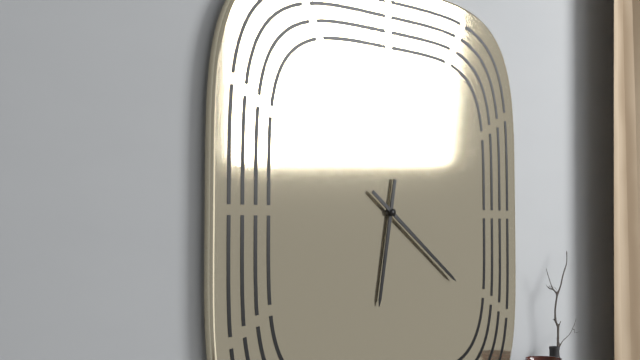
6h21
